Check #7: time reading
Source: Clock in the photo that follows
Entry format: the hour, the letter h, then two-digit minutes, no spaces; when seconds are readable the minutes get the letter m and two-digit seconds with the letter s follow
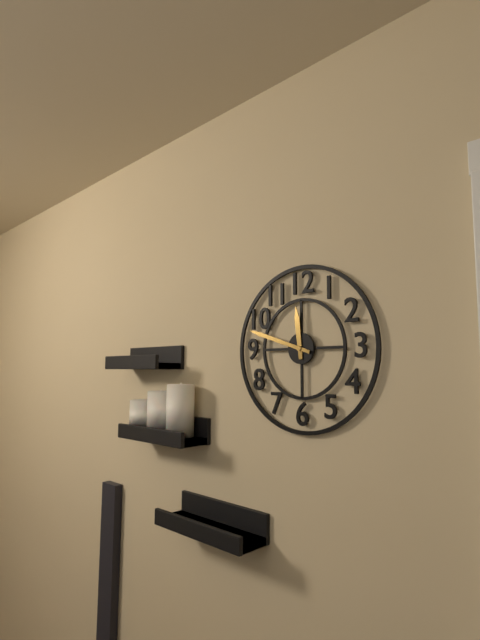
11h48
